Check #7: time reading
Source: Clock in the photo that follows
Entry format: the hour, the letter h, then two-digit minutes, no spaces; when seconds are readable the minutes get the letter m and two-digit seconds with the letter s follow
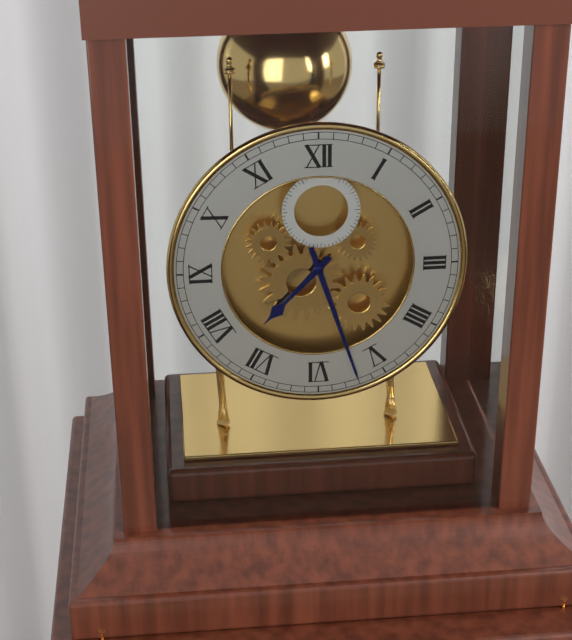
7h27
